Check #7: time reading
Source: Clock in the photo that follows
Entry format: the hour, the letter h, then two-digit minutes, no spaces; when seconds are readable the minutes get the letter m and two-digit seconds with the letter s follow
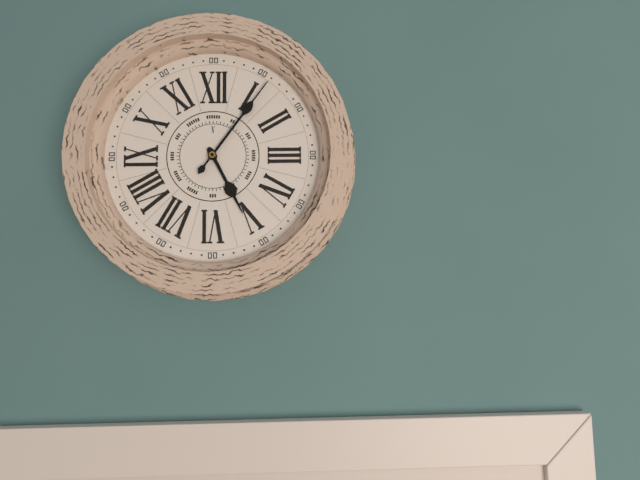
5h06
